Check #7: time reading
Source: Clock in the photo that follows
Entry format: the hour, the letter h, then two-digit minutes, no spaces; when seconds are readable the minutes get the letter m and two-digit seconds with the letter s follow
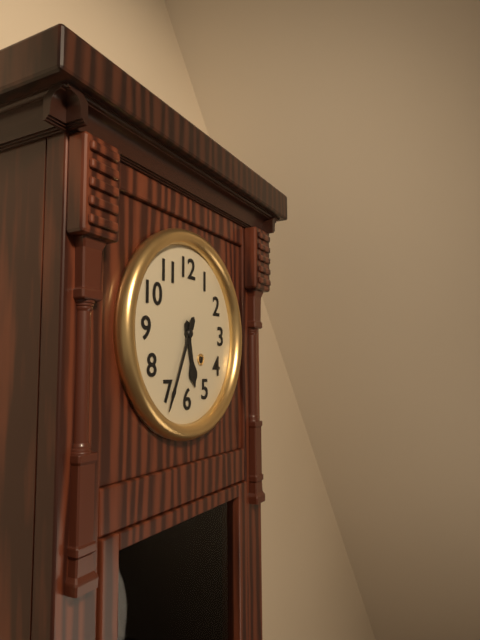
5h34
